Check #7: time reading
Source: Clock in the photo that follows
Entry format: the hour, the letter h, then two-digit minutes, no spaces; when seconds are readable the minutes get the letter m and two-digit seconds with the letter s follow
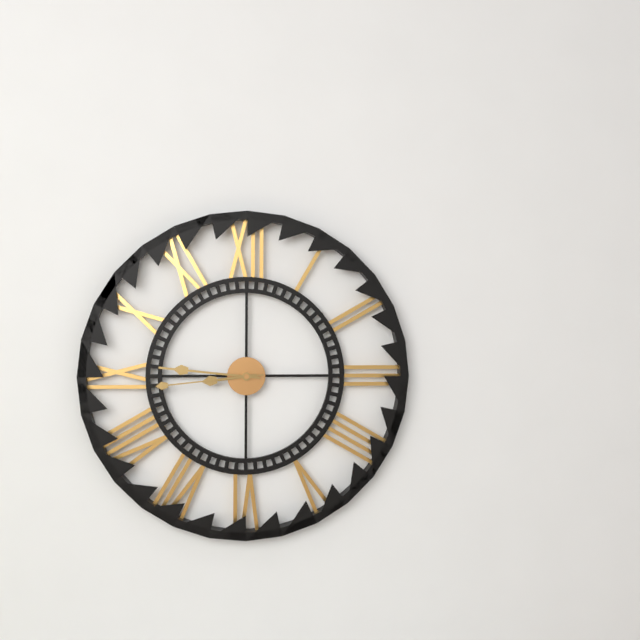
8h46m44s
